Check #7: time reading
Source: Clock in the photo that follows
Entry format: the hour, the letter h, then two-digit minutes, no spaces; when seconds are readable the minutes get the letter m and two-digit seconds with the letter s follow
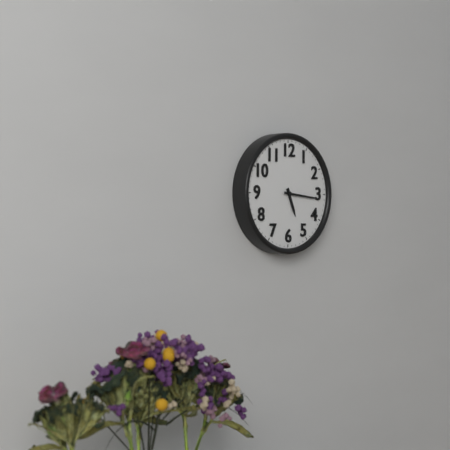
5h16
